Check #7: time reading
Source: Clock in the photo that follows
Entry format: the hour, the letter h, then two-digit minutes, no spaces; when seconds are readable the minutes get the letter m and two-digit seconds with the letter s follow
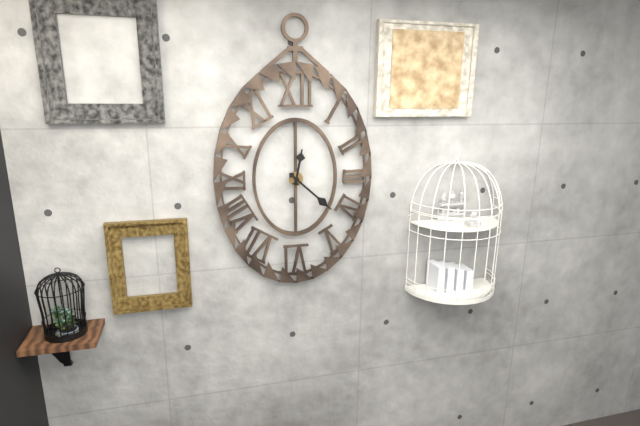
12h22
